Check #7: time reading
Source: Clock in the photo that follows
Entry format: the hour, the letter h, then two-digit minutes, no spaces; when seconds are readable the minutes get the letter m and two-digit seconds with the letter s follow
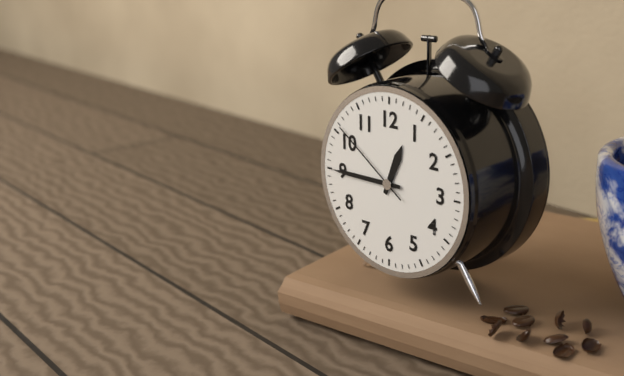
12h45m51s
